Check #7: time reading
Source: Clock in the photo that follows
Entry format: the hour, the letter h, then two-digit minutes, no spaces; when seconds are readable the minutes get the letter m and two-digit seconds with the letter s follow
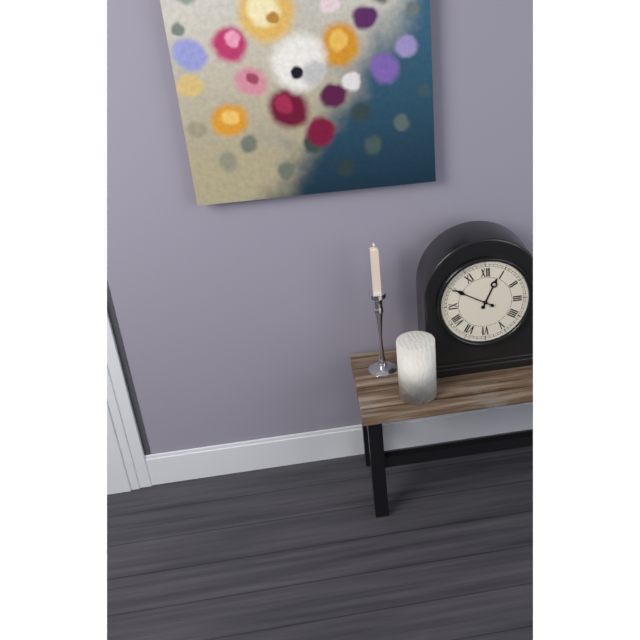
12h50
